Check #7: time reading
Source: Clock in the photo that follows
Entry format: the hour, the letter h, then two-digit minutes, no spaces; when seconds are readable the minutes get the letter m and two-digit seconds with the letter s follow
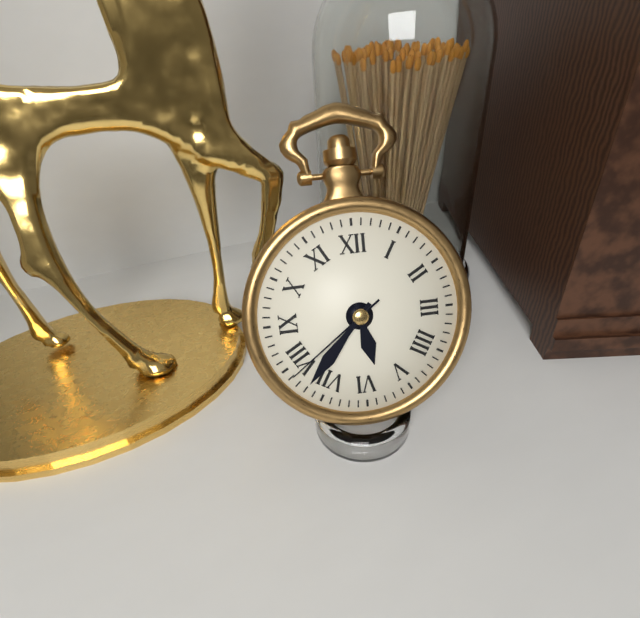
5h37m39s
